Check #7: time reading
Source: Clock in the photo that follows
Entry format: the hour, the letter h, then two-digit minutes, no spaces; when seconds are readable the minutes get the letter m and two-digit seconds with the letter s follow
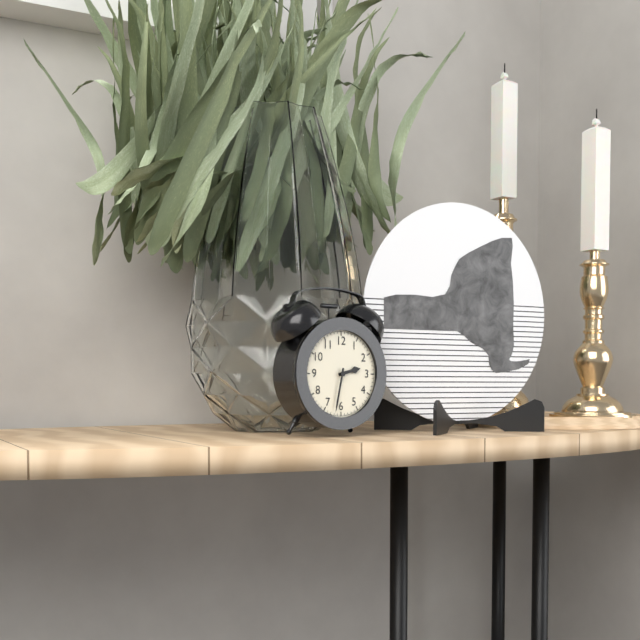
2h32
